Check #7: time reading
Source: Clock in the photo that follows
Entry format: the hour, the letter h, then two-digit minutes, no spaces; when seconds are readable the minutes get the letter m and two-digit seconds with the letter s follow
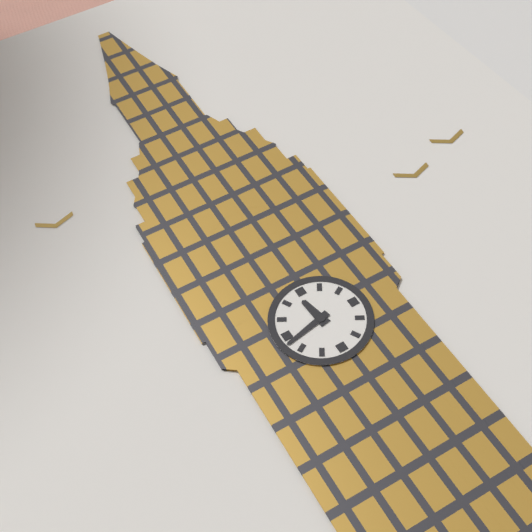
11h43
